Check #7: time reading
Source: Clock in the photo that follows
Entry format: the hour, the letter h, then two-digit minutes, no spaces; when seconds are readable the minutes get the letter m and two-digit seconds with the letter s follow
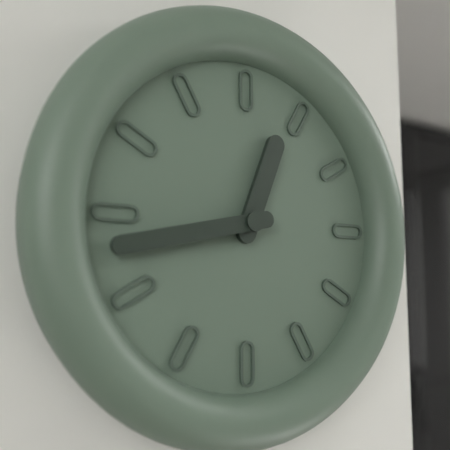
12h43
